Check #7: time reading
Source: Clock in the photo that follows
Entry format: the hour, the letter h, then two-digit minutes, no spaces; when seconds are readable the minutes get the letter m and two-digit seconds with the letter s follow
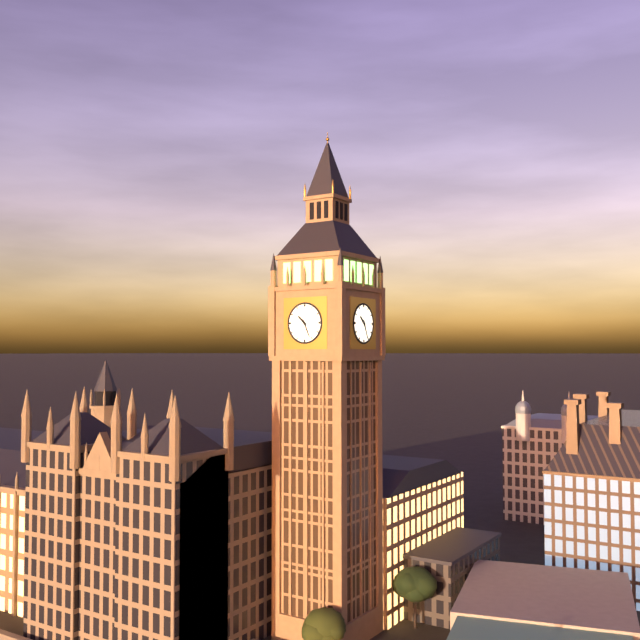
10h26
